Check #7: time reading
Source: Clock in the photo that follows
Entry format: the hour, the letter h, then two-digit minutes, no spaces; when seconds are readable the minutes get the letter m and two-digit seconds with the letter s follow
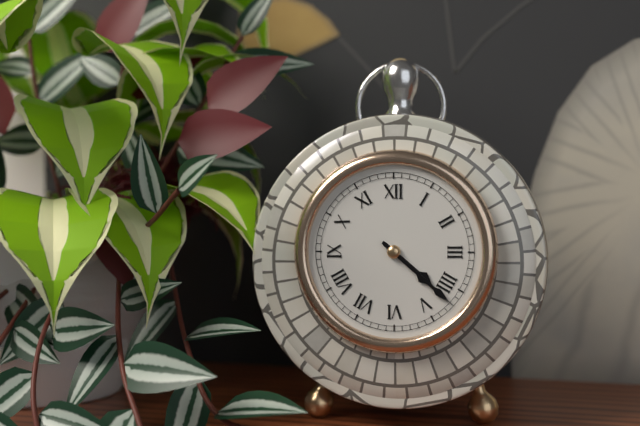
4h22
